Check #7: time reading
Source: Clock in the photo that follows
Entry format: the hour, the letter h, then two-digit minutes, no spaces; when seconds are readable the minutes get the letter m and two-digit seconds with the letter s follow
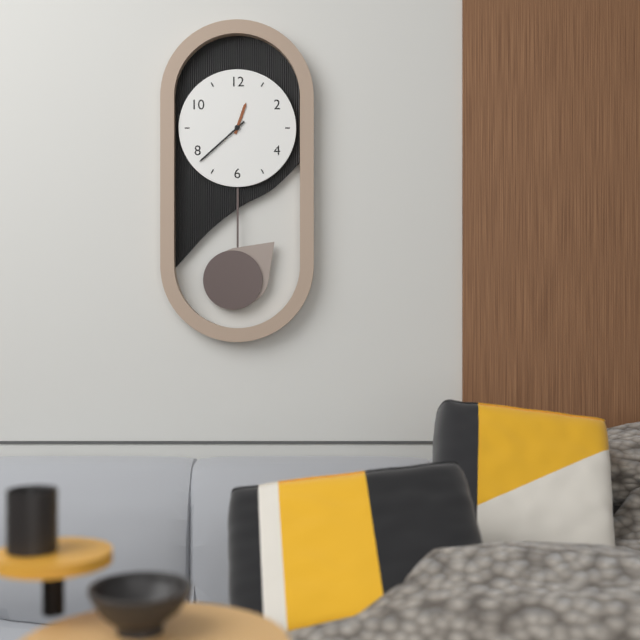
12h38
